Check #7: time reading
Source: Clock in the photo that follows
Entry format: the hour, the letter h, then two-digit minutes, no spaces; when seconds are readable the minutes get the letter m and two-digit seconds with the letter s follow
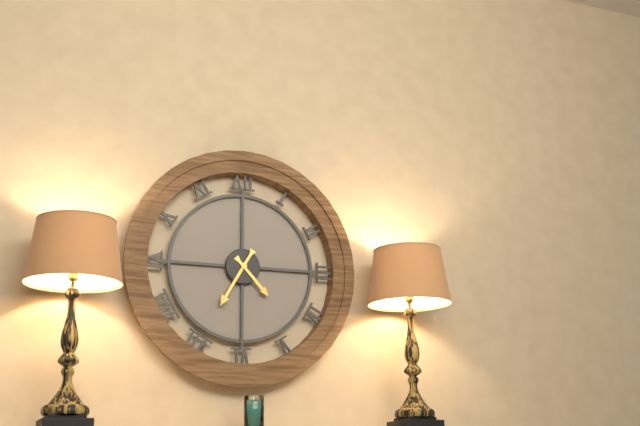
4h35
